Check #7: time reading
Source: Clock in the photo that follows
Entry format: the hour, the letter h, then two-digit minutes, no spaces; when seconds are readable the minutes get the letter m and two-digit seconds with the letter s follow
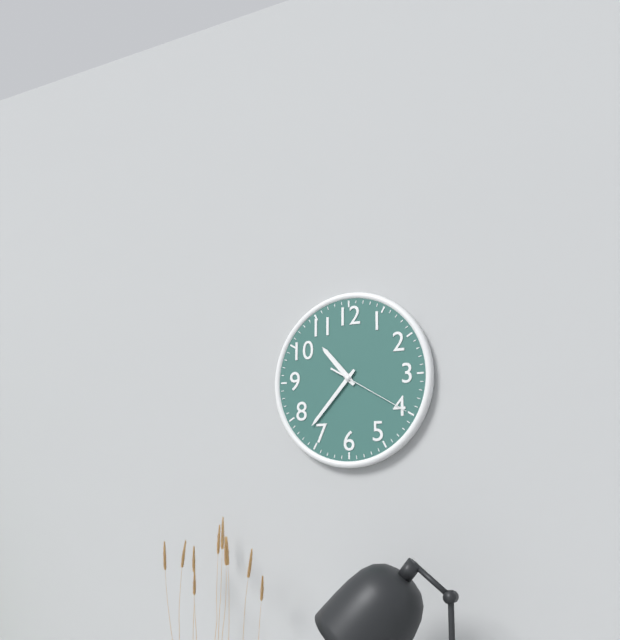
10h37m20s
